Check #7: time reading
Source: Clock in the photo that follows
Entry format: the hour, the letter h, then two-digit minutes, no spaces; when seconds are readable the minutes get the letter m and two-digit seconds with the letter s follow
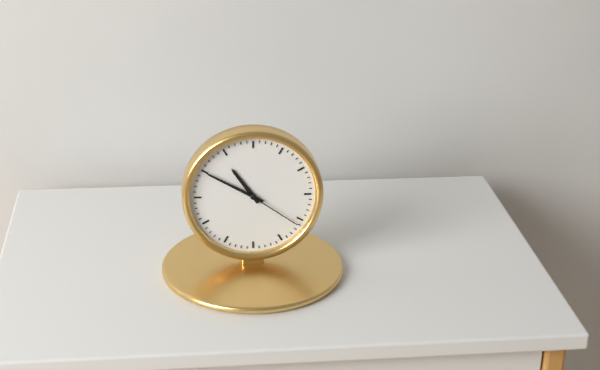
10h50m21s
